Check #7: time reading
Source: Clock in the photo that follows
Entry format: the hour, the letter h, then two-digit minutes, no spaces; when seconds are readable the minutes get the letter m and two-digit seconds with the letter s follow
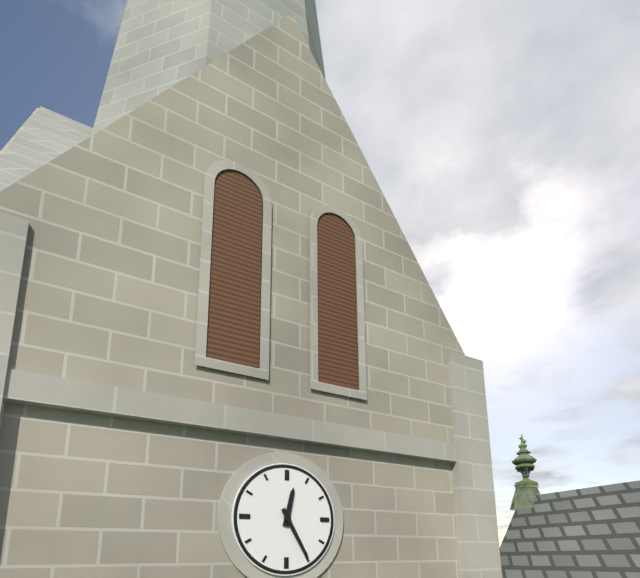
12h25
